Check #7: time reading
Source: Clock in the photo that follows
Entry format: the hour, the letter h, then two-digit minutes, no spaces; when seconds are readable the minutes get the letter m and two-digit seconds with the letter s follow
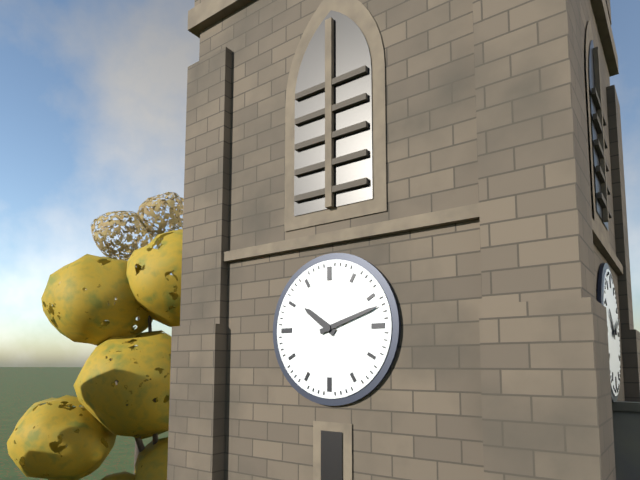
10h12
